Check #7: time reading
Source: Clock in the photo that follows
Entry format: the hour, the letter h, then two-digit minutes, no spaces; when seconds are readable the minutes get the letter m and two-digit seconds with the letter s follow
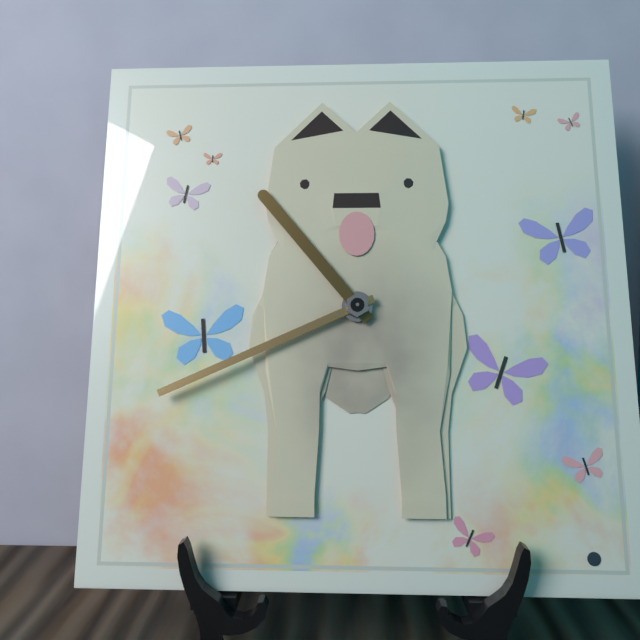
10h41
